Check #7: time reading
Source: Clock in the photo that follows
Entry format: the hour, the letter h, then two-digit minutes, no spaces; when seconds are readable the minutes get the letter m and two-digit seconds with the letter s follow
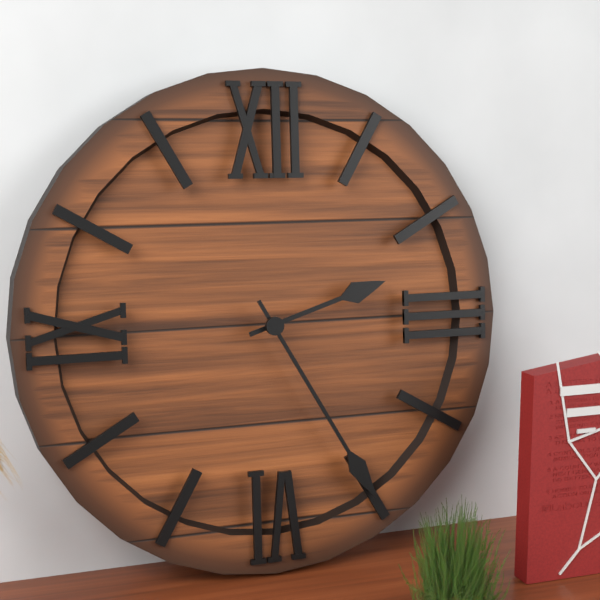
2h25
